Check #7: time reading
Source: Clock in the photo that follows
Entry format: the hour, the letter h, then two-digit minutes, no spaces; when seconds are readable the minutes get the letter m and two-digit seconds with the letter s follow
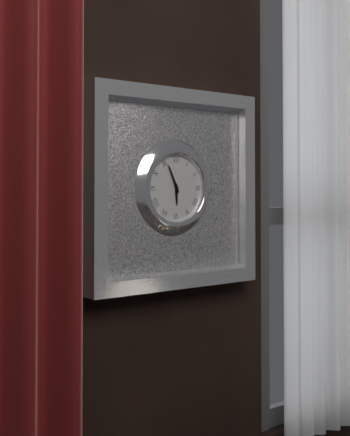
5h56
